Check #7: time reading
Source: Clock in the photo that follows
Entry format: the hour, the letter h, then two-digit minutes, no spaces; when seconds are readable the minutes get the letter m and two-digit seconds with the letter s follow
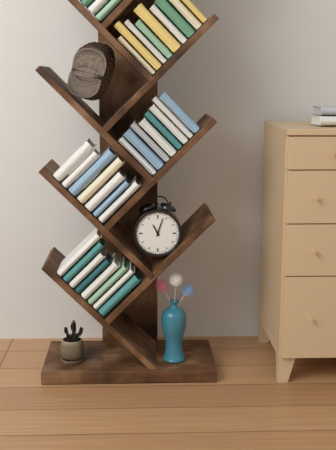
11h03
